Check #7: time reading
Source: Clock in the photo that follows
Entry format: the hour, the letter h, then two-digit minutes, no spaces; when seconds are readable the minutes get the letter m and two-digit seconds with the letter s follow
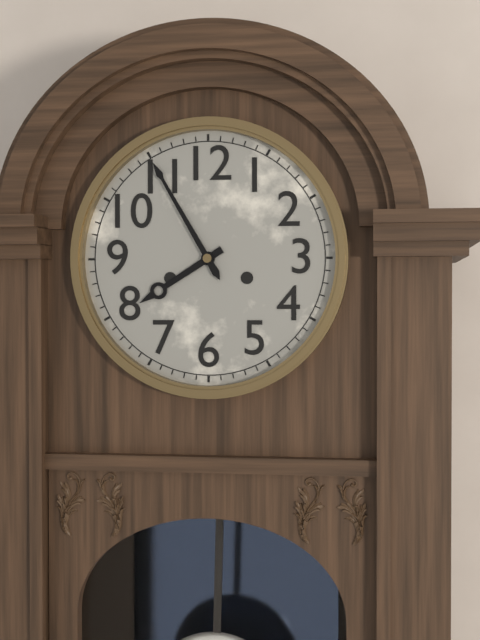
7h55
